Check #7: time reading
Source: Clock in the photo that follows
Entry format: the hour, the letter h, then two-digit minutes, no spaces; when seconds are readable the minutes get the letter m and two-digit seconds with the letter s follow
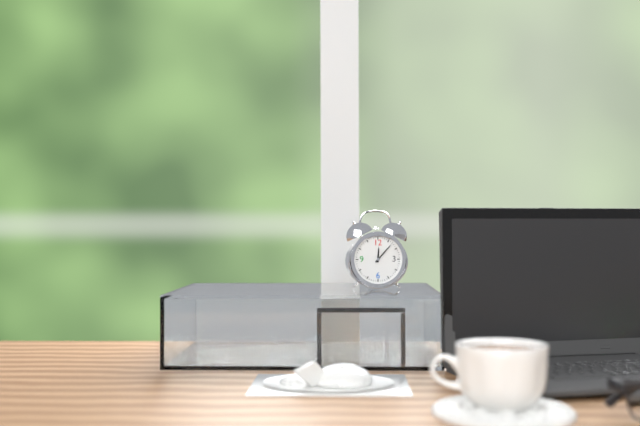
12h07
